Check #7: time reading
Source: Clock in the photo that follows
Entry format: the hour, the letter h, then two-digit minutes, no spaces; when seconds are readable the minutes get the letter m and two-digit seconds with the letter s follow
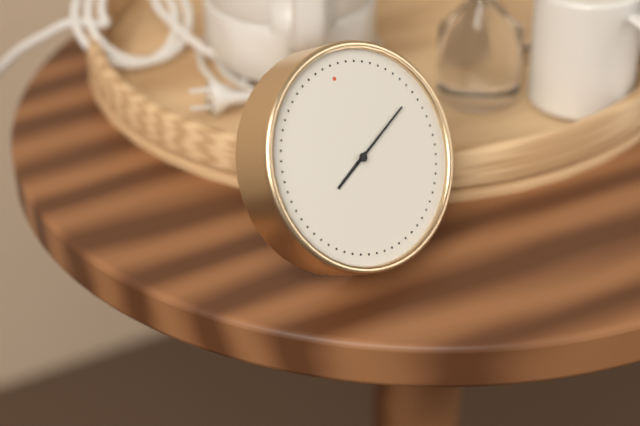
8h11
